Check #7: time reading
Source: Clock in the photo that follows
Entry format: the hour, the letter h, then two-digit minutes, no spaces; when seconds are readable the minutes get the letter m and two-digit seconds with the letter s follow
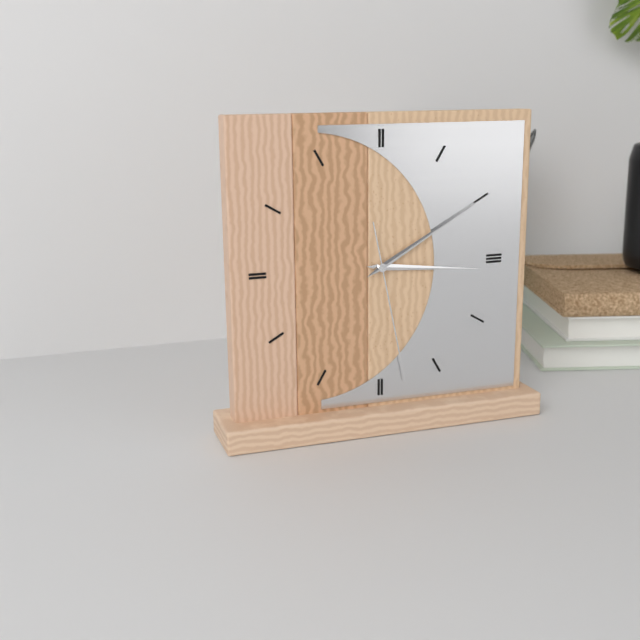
3h10m28s
